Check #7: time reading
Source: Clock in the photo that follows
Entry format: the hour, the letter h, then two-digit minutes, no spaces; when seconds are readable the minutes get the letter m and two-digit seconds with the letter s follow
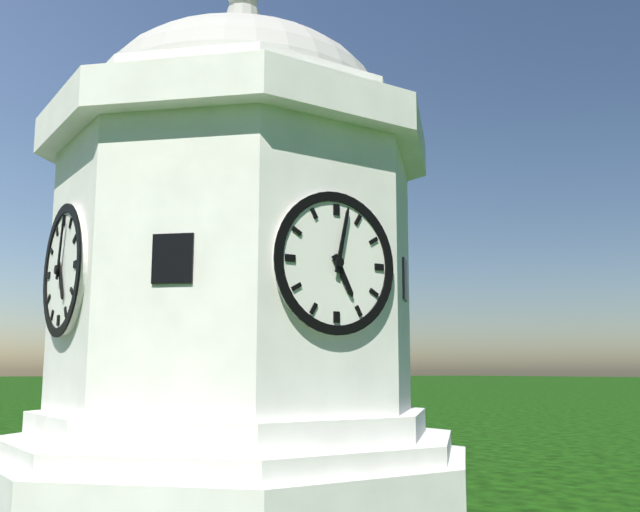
5h02
